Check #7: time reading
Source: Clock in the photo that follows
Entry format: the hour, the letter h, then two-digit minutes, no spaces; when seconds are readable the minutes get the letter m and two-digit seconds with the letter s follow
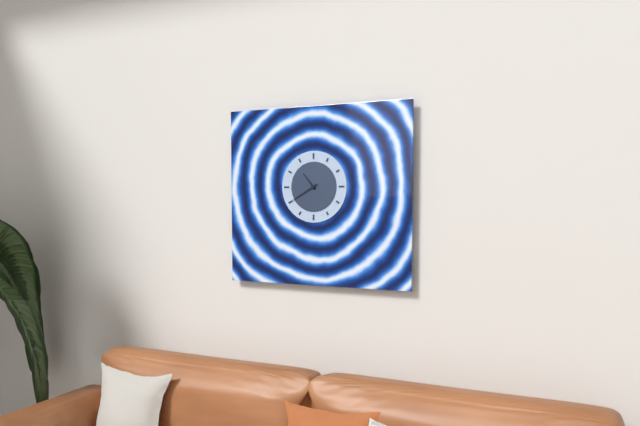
10h40
